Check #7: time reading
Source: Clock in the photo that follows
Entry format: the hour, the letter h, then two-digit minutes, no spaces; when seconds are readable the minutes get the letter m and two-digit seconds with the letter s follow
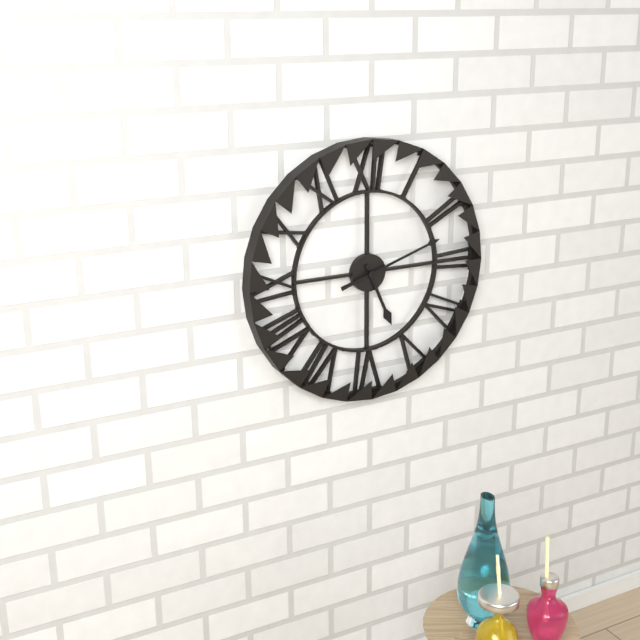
5h12
